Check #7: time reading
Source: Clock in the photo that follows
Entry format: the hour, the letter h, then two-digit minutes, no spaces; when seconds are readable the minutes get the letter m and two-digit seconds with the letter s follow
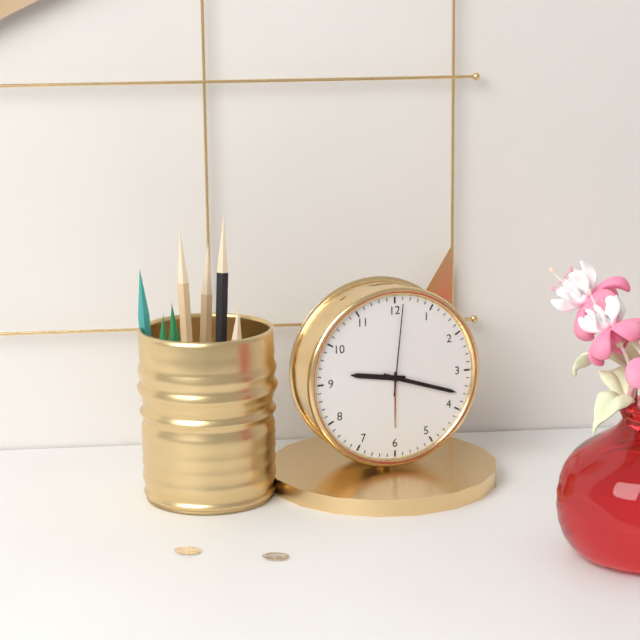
9h18m01s
